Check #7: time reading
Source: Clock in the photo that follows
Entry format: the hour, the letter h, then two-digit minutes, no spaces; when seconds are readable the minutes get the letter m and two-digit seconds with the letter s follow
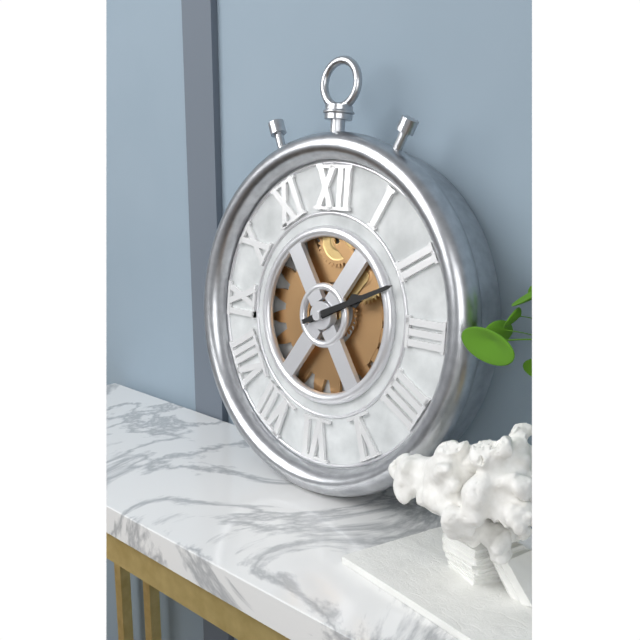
2h11
